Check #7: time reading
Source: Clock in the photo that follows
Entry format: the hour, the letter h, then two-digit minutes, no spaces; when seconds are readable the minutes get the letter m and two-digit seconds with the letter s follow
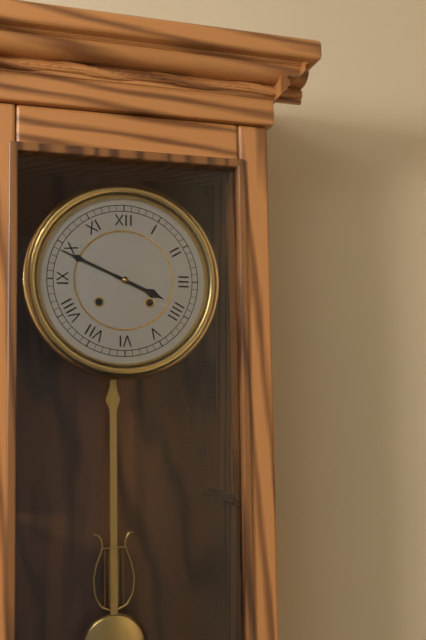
3h49
